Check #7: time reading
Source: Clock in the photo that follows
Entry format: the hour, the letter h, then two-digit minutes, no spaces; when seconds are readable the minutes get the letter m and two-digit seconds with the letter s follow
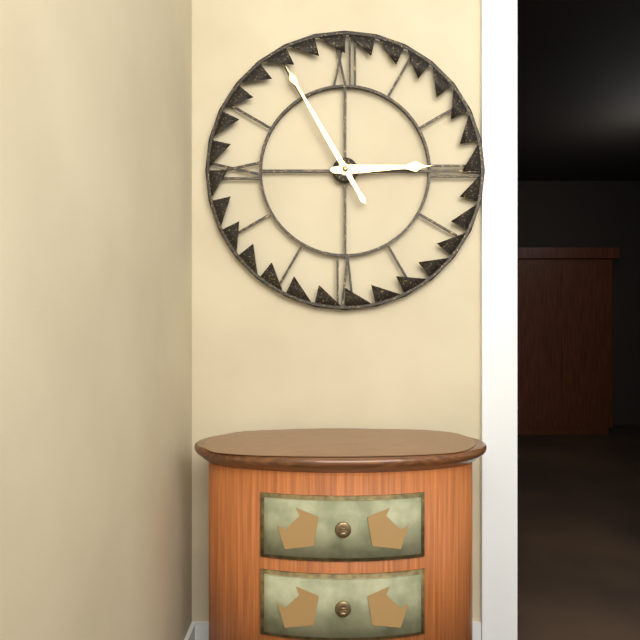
2h55
